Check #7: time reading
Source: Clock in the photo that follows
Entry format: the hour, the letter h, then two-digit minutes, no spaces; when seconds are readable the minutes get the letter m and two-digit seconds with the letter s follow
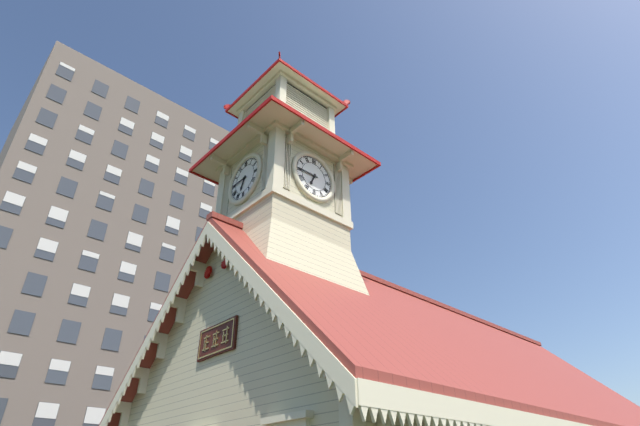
6h45
